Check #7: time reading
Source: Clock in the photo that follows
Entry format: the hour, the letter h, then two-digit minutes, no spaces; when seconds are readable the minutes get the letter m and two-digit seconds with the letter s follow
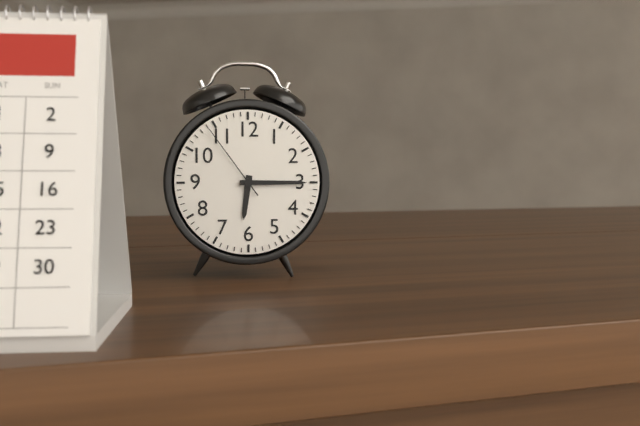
6h15m54s
